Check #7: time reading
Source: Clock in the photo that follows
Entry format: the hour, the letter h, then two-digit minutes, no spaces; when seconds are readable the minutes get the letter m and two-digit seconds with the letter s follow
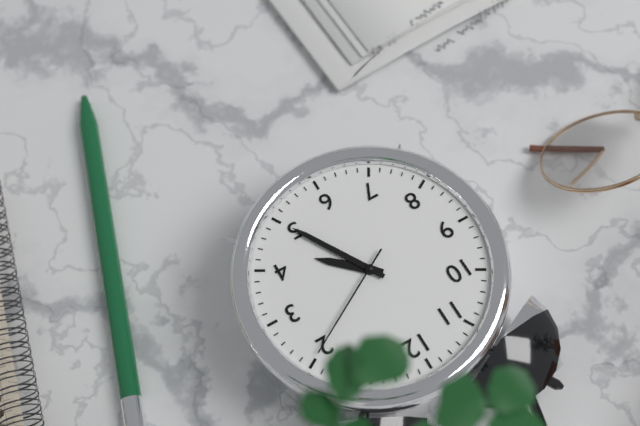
4h25m10s
